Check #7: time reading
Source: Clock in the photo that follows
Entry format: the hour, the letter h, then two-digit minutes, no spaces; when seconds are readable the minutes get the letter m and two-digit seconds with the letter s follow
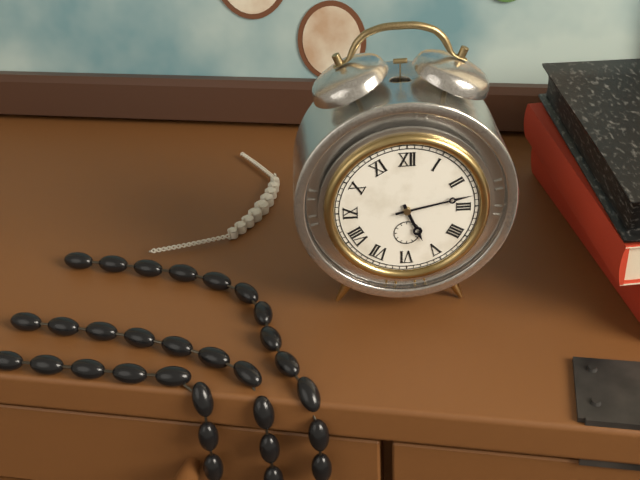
5h13
